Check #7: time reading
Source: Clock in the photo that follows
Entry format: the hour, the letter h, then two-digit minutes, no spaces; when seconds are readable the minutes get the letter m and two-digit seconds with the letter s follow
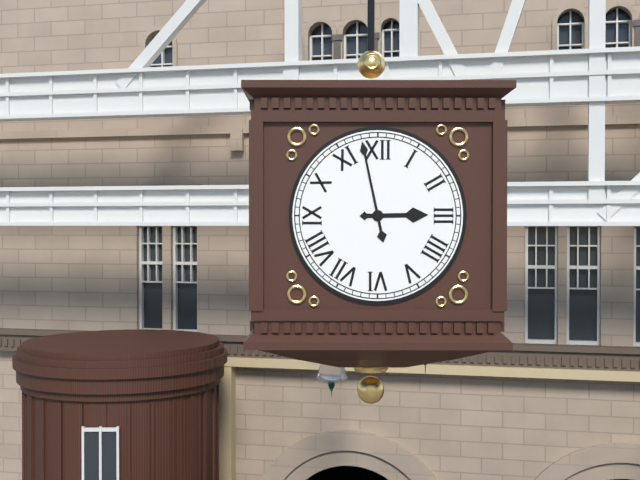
2h58
